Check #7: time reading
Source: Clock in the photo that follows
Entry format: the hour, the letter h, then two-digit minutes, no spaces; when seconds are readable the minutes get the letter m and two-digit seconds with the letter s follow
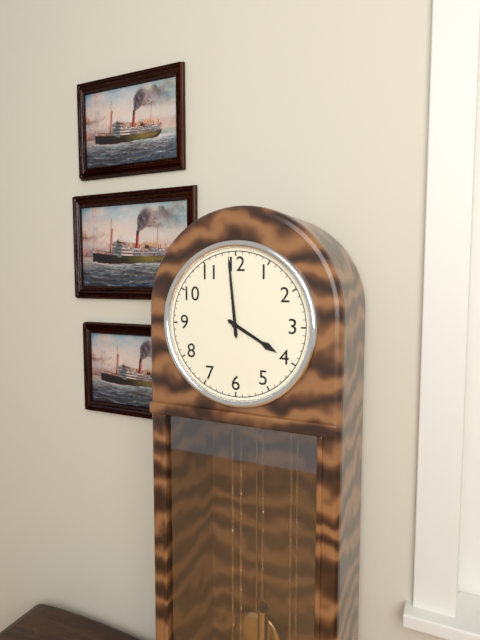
3h59
